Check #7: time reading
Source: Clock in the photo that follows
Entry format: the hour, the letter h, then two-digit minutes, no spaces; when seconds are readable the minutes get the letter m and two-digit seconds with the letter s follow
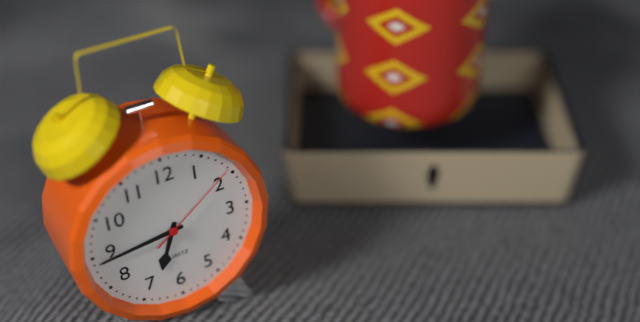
6h44m09s
